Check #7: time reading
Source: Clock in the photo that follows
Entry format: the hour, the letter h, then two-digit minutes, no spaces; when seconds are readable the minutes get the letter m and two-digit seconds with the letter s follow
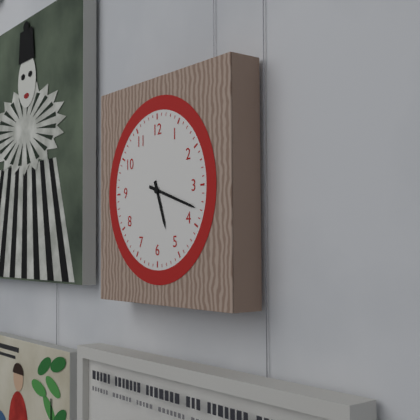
5h18
